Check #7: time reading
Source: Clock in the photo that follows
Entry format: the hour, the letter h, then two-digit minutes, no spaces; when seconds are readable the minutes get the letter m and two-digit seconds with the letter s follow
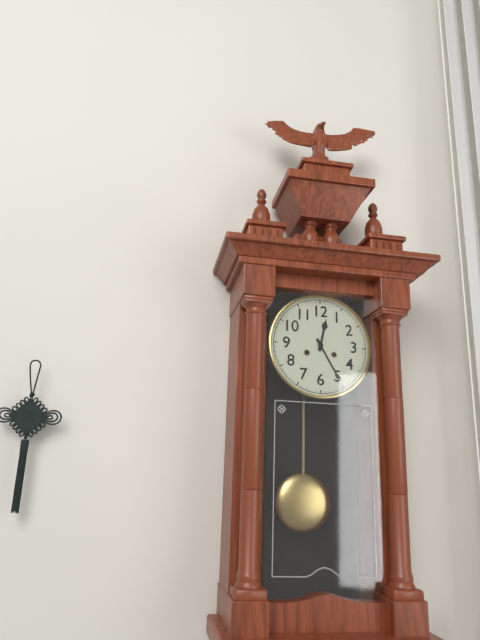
12h25
